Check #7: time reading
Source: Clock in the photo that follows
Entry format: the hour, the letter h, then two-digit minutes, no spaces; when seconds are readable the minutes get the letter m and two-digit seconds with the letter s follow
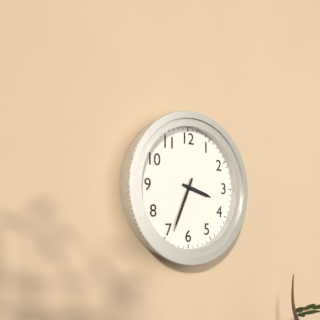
3h34
